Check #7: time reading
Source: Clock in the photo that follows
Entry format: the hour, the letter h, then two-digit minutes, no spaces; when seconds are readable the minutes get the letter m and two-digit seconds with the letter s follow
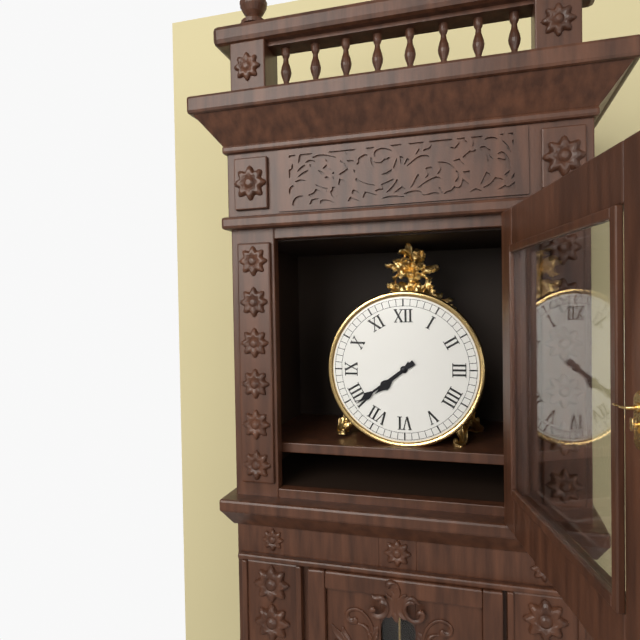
7h39
